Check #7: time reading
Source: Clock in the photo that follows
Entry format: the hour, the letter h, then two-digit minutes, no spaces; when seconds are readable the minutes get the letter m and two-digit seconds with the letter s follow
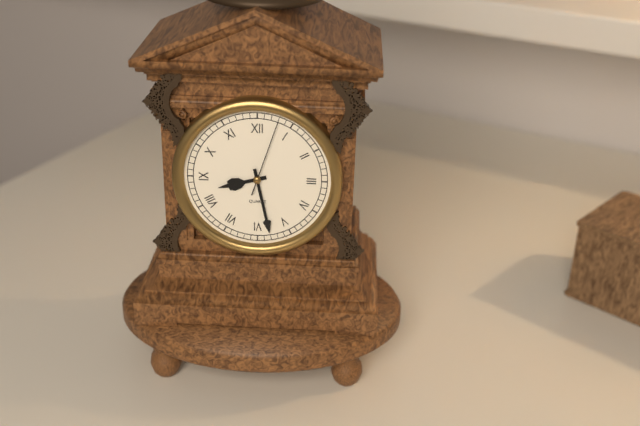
8h28m03s
